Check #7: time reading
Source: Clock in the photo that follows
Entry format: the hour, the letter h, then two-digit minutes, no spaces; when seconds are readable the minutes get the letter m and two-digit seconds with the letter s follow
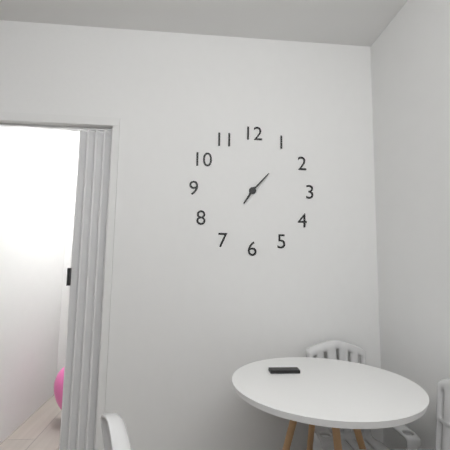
7h07
